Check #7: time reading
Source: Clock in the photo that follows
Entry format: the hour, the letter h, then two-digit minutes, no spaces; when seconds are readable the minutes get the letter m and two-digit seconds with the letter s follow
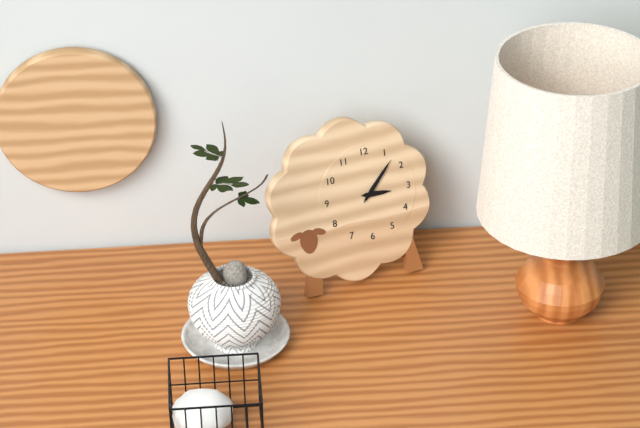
3h07
